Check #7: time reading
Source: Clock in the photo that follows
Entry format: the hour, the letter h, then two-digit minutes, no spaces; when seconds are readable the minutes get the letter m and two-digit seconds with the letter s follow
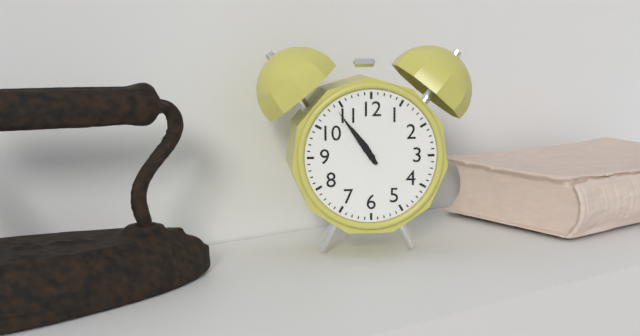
10h54
